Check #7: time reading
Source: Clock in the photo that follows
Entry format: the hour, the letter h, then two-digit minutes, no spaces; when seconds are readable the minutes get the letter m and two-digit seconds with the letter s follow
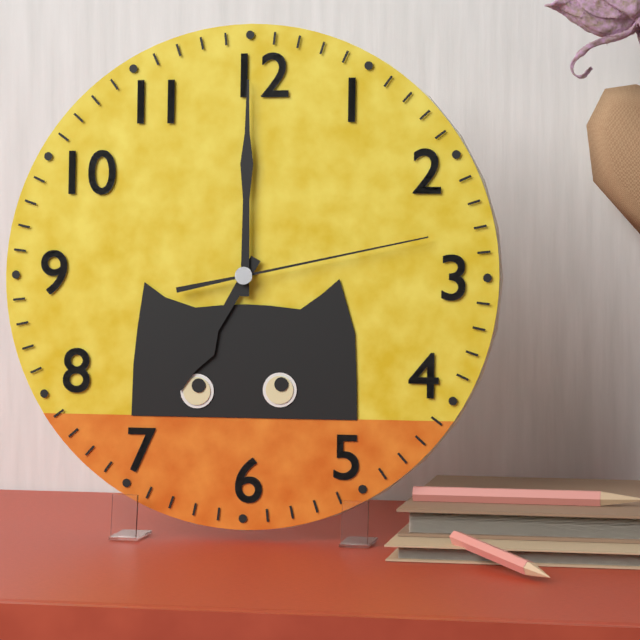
7h00m13s
